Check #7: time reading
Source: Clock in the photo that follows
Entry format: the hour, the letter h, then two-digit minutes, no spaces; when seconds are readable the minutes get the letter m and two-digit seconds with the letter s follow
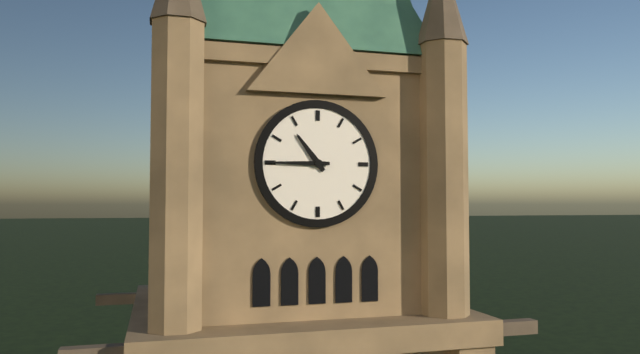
10h45
